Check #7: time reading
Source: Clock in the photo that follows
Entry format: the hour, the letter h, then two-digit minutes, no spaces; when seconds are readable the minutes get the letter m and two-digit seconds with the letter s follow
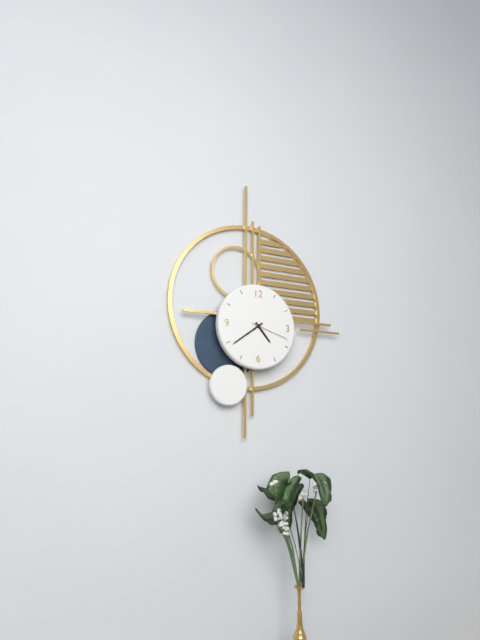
4h39
